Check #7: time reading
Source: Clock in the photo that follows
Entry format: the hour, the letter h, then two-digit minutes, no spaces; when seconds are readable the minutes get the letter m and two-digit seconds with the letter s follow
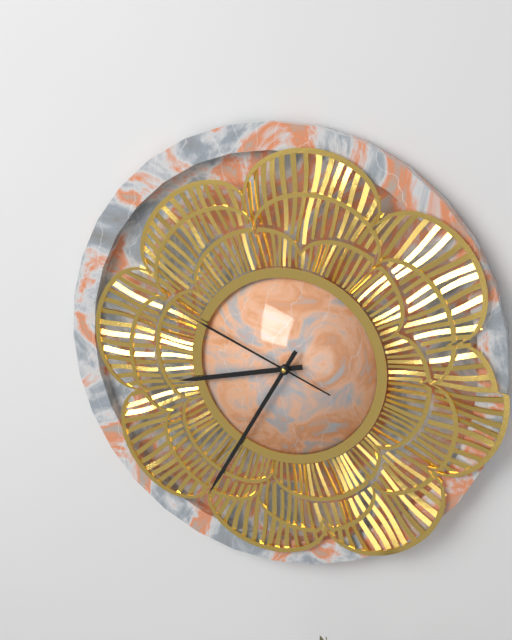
8h35m49s
